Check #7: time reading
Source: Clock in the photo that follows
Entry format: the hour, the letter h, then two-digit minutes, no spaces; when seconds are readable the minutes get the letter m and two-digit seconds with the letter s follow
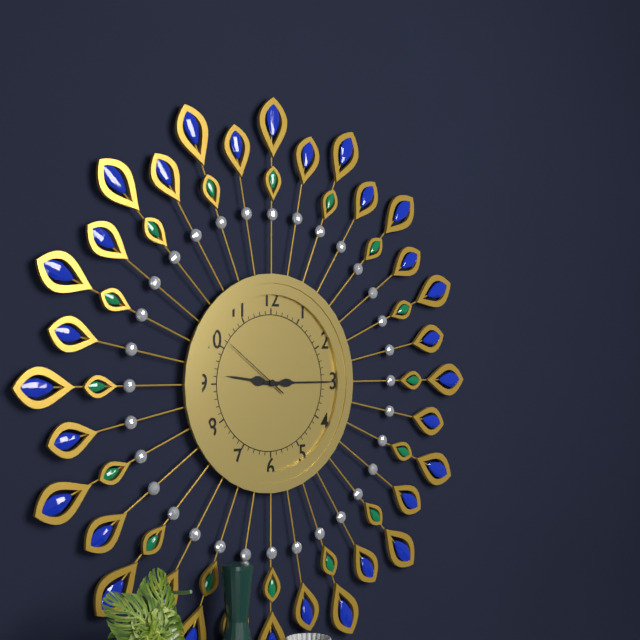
9h15m51s
